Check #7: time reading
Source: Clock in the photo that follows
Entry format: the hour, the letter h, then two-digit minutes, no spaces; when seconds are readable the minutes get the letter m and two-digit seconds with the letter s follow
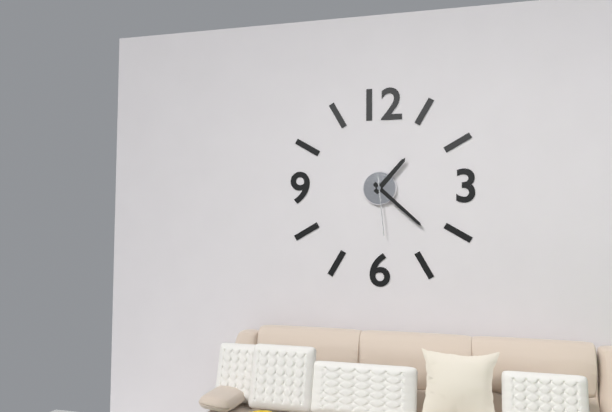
1h22m29s
